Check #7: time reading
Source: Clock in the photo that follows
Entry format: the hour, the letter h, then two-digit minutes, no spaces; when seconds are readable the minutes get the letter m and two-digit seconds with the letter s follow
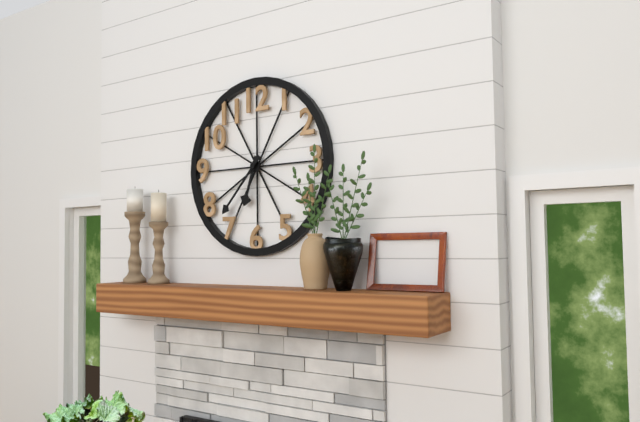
6h37
